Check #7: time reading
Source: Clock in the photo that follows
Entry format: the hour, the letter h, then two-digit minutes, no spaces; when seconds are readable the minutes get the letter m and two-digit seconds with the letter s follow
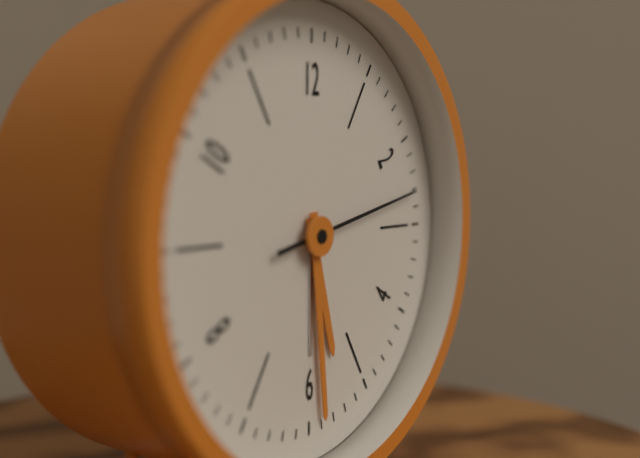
5h29m13s
